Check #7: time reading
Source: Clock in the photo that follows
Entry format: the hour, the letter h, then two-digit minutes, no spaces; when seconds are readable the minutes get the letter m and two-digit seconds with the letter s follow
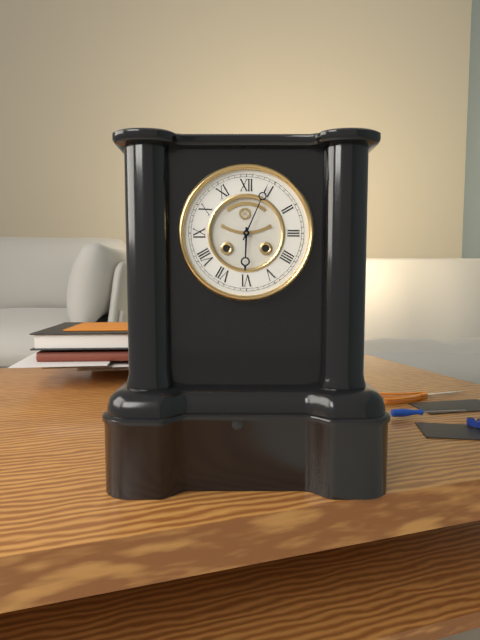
6h04
